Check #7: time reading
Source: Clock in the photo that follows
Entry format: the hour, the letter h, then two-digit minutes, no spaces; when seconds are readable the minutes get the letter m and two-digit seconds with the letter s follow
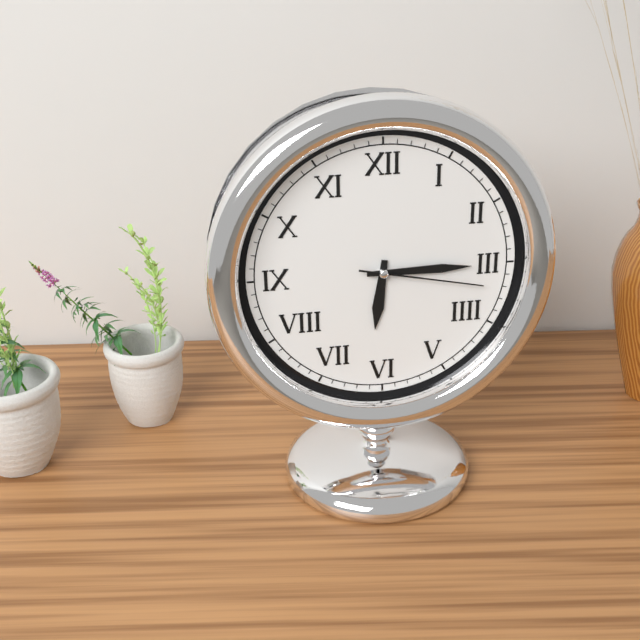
6h15m17s
